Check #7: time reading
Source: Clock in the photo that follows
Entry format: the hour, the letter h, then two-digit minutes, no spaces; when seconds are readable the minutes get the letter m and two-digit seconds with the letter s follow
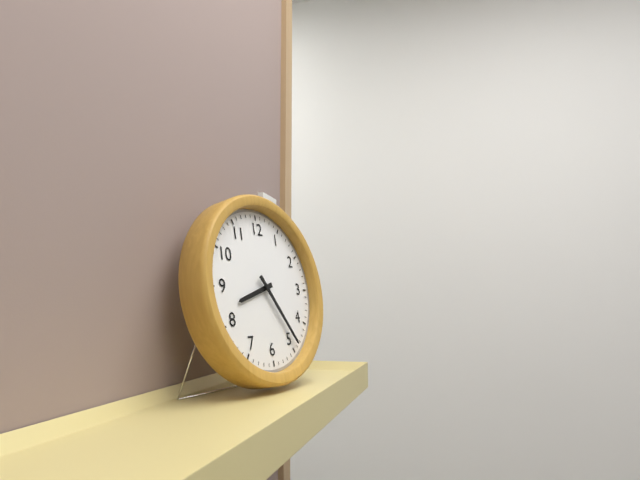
8h24
